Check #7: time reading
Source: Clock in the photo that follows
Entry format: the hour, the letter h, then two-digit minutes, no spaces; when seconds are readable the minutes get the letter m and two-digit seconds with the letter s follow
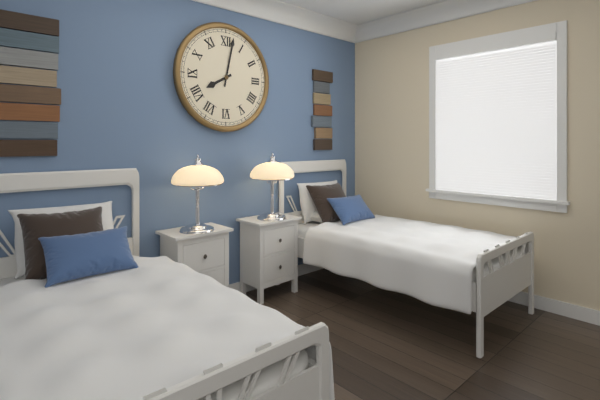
8h02
